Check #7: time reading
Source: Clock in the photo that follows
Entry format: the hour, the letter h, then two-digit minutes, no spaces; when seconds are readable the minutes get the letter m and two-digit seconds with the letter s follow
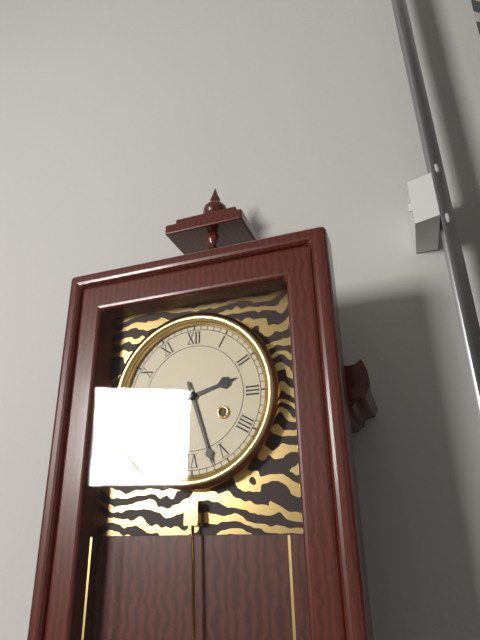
2h27
